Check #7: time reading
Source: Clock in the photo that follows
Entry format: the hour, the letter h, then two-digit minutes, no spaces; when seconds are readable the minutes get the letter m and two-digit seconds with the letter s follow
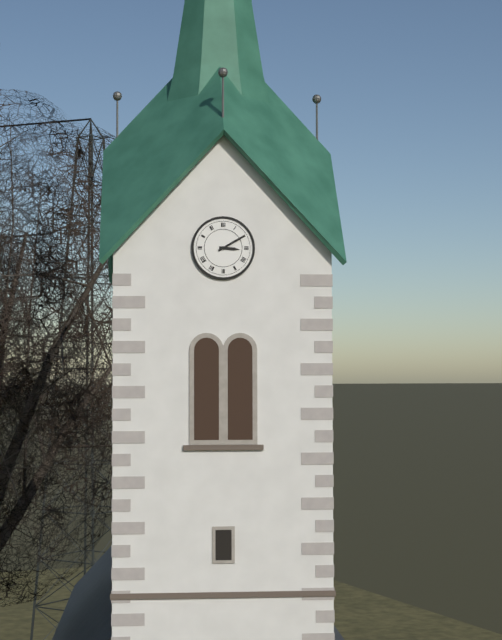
3h10
